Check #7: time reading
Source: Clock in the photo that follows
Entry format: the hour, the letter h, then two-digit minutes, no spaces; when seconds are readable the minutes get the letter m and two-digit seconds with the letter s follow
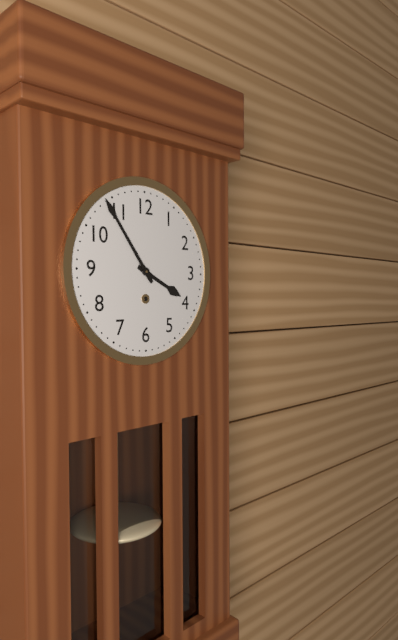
3h54
